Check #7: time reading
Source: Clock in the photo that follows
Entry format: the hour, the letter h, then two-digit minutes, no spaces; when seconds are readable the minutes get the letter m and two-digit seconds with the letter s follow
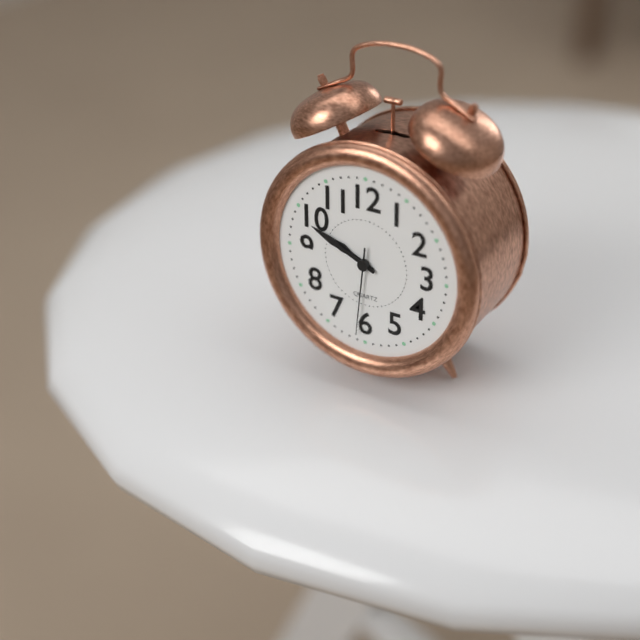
9h49m31s
